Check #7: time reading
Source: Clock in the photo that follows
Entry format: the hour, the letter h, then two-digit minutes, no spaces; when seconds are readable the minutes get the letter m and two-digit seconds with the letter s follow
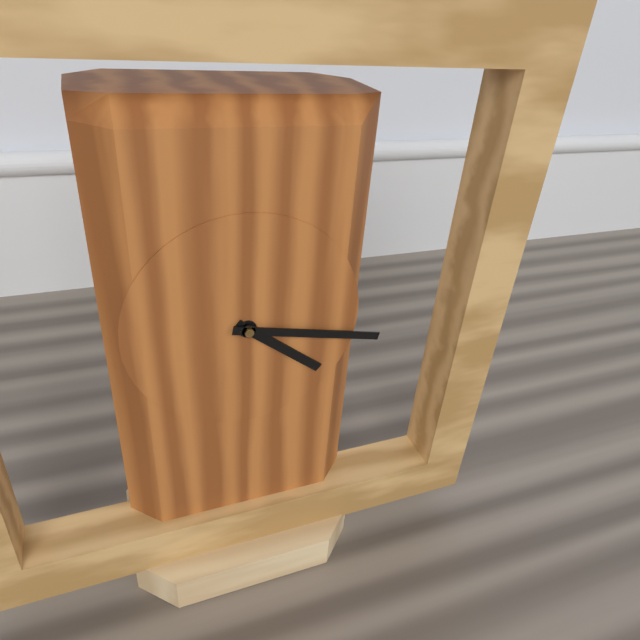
4h17
